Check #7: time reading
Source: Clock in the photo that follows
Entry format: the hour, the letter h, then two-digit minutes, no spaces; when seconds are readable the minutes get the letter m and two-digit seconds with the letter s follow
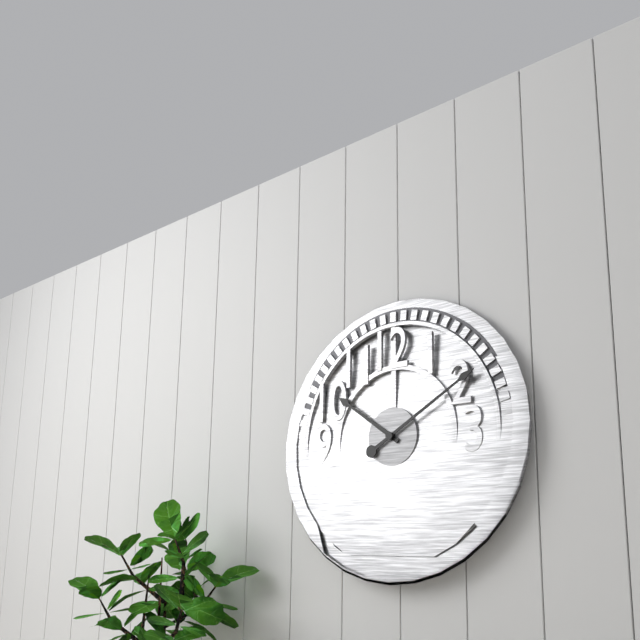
10h10
